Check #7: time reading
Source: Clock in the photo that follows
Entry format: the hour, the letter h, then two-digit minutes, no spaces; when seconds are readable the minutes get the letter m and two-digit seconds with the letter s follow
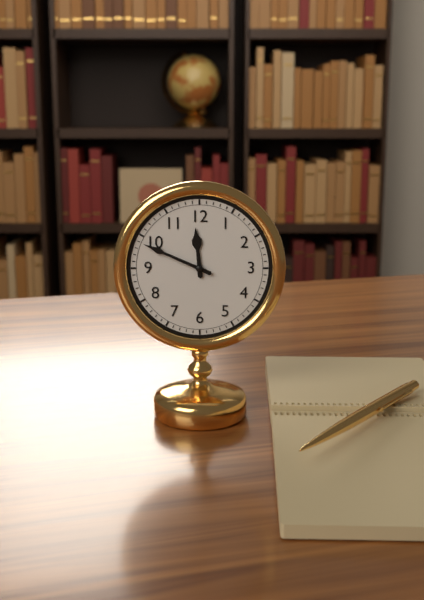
11h49
